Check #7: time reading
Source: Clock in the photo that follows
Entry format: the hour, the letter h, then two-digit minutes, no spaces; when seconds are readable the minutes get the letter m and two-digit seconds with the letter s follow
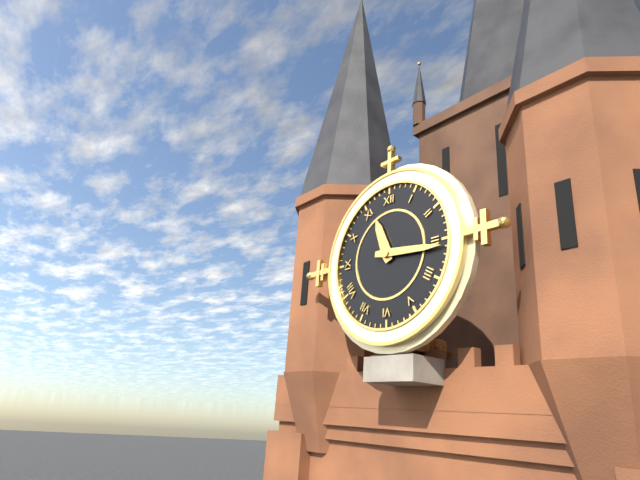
11h16
